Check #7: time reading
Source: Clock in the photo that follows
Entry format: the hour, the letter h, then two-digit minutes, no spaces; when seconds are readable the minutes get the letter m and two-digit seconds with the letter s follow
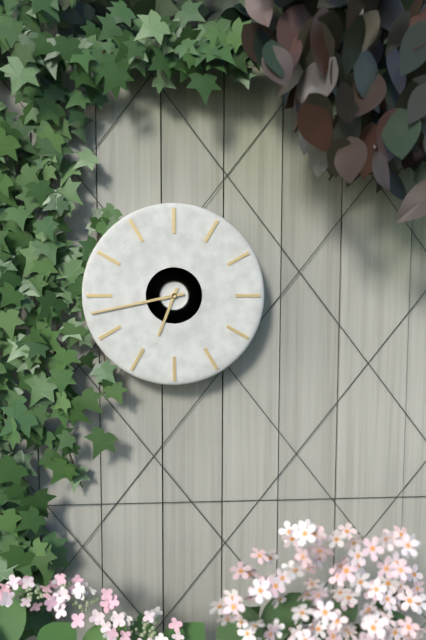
6h43
